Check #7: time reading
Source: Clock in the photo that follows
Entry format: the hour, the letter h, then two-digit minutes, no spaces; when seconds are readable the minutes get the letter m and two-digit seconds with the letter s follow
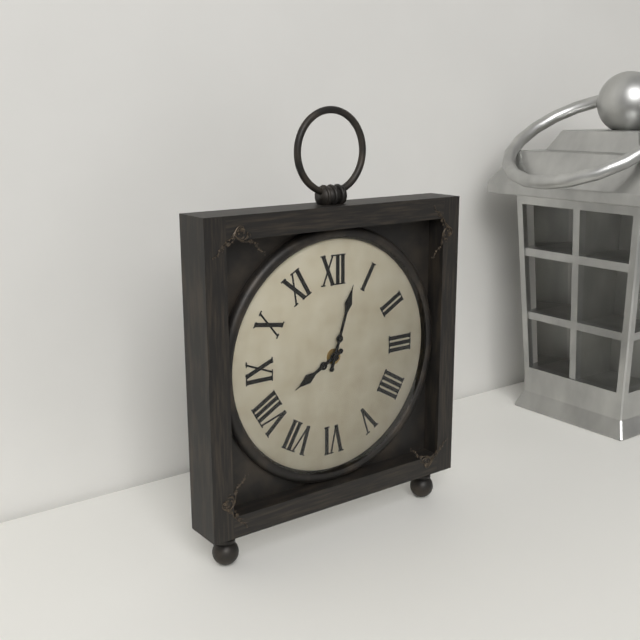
8h03
